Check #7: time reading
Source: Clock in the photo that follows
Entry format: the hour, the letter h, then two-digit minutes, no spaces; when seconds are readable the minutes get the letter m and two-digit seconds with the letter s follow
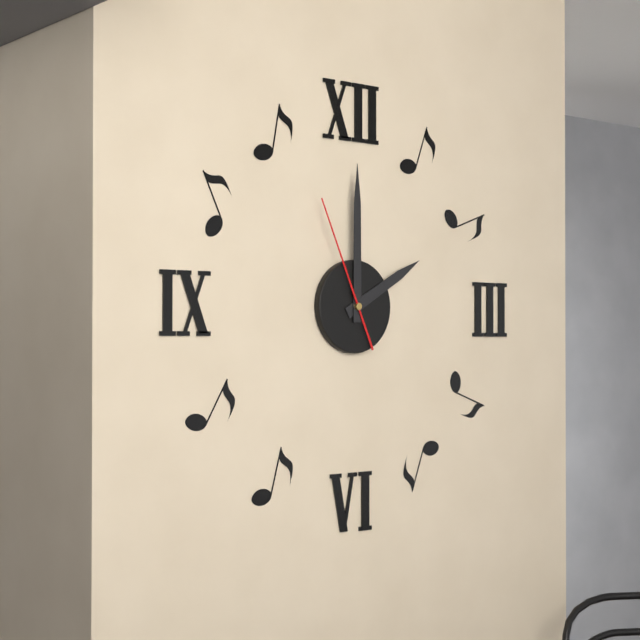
2h00m56s
